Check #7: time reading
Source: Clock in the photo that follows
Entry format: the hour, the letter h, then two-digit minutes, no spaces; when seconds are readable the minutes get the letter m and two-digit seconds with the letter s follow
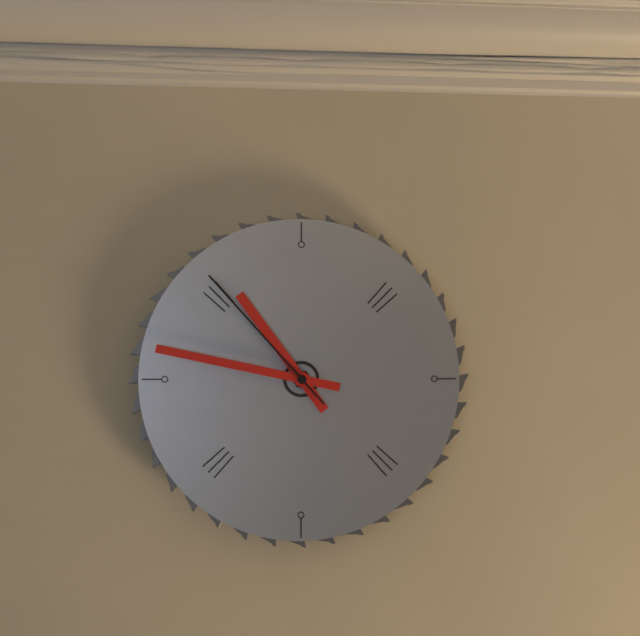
10h47m53s
